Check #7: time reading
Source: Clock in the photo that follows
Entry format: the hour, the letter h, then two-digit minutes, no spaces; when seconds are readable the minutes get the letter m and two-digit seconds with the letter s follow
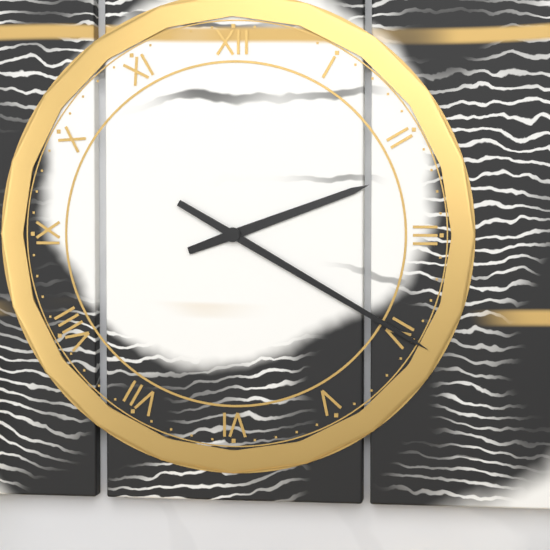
2h20
